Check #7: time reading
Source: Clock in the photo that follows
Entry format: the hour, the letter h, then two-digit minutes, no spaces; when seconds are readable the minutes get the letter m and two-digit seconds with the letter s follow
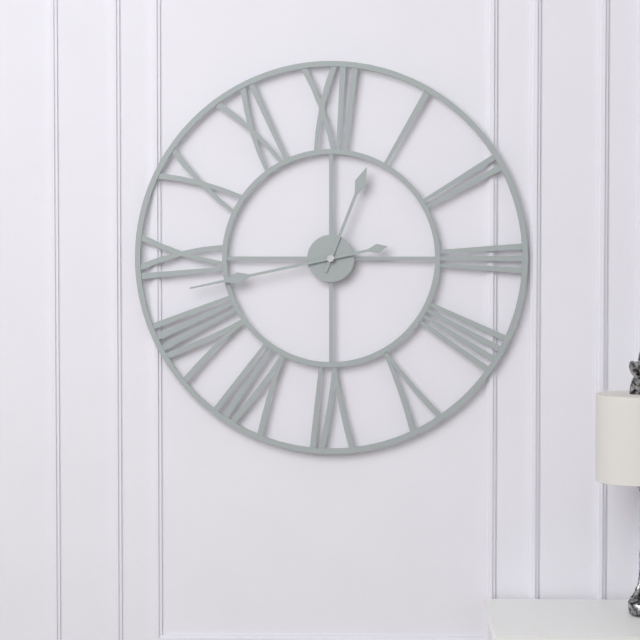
12h43
